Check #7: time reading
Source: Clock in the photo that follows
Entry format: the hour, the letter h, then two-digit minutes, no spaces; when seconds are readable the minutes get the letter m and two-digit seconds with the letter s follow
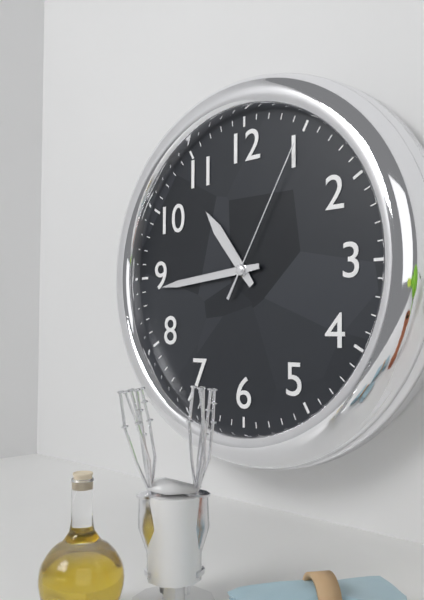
10h44m05s
